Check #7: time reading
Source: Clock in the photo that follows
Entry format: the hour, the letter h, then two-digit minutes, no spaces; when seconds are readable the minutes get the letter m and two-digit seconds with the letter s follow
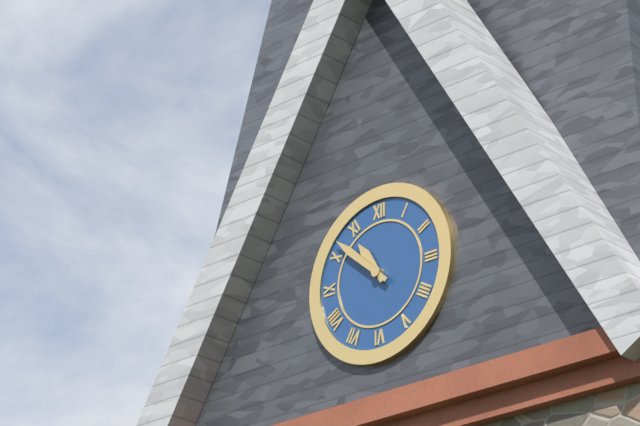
10h52
